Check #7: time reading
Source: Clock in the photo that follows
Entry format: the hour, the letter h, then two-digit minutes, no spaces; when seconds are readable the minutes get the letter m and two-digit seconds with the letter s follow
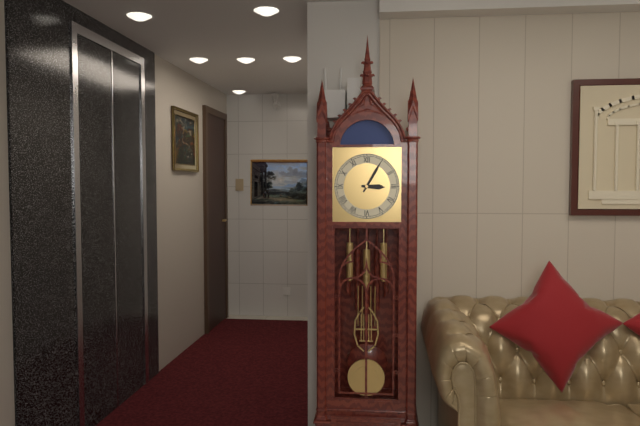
3h05
